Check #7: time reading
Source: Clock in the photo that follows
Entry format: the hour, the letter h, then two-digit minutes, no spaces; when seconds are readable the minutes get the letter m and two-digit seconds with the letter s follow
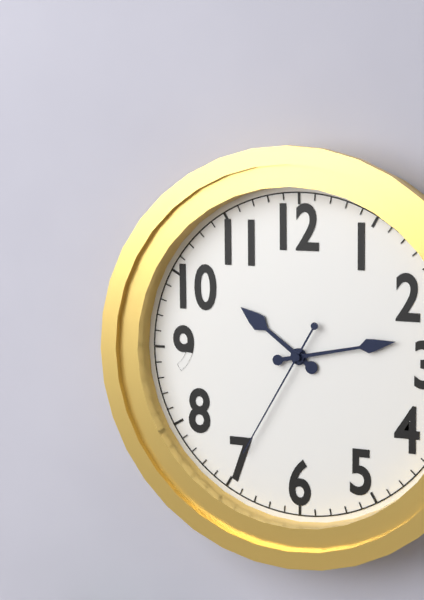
10h13m35s
